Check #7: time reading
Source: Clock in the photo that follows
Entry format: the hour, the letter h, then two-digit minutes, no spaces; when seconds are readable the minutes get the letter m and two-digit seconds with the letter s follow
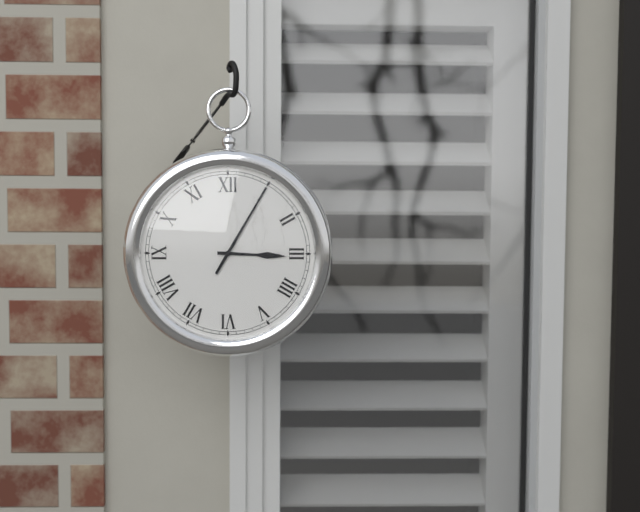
3h05
